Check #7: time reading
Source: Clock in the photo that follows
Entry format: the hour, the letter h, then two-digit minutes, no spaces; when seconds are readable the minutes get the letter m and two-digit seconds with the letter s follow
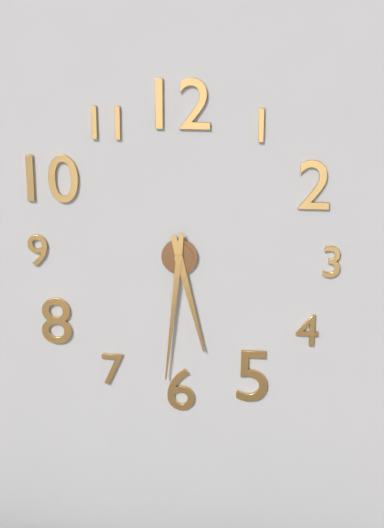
5h31
